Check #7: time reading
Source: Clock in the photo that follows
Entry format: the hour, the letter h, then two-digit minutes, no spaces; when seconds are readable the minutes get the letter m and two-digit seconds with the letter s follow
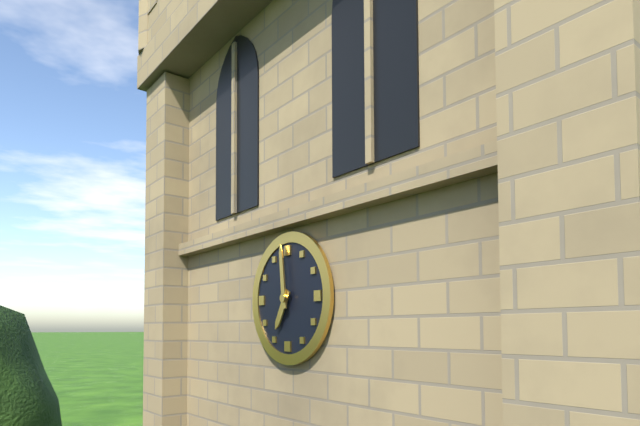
6h59
